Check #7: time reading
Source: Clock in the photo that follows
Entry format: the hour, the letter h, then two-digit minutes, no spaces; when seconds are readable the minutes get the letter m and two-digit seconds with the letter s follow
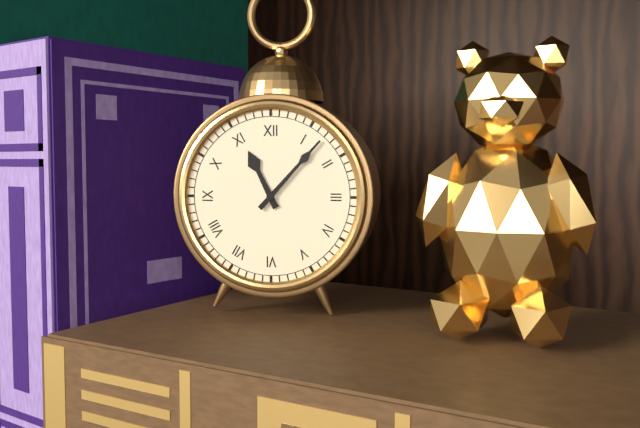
11h07
